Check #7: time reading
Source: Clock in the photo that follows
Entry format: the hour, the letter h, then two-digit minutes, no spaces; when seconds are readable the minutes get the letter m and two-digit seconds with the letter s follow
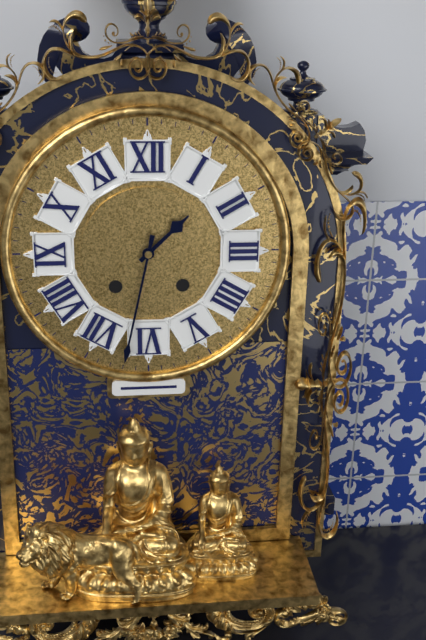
1h32
